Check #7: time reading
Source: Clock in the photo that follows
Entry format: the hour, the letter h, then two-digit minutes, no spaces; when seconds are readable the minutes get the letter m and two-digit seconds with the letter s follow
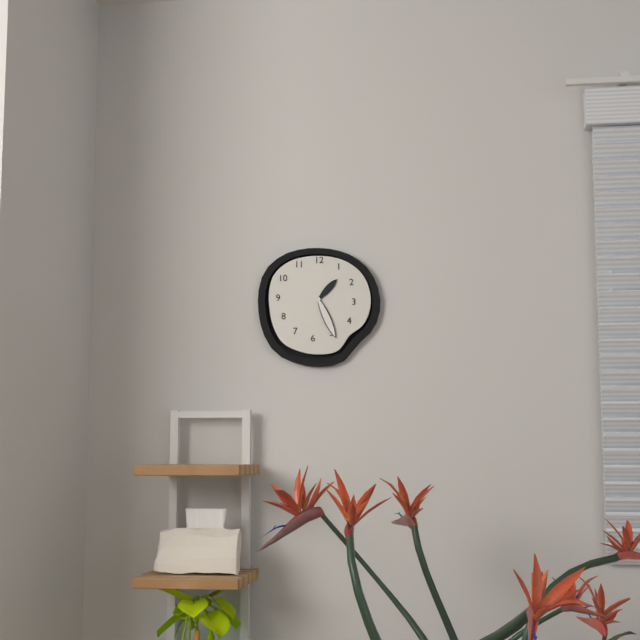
1h26
